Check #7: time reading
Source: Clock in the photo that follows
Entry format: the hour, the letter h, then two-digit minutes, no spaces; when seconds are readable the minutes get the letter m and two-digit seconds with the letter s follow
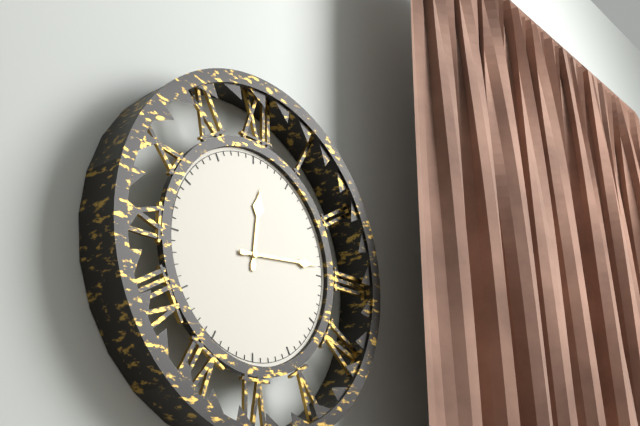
12h14
